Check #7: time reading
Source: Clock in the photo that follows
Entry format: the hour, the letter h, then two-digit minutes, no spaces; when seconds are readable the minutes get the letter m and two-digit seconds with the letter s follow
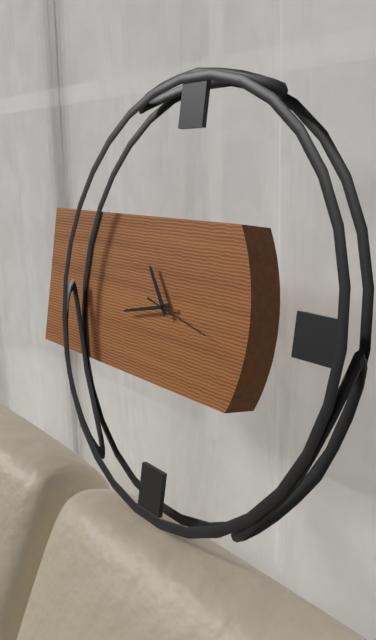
10h43m17s
